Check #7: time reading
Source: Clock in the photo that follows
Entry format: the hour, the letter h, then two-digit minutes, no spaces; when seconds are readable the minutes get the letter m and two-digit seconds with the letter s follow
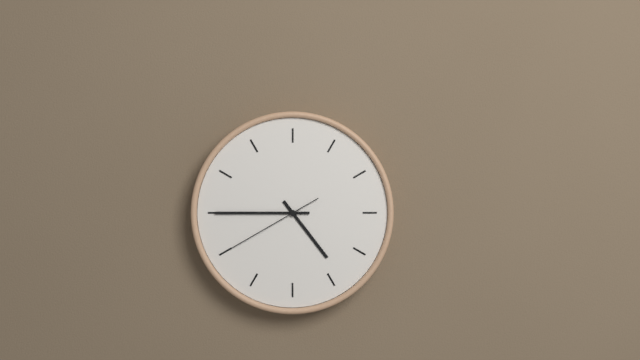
4h45m40s
